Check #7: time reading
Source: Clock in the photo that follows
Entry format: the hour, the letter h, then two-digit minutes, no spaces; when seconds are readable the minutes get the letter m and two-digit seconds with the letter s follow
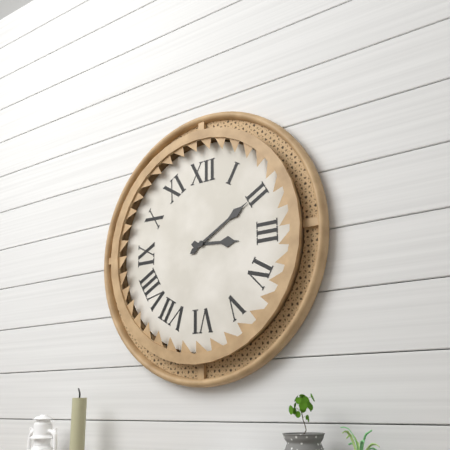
3h10
